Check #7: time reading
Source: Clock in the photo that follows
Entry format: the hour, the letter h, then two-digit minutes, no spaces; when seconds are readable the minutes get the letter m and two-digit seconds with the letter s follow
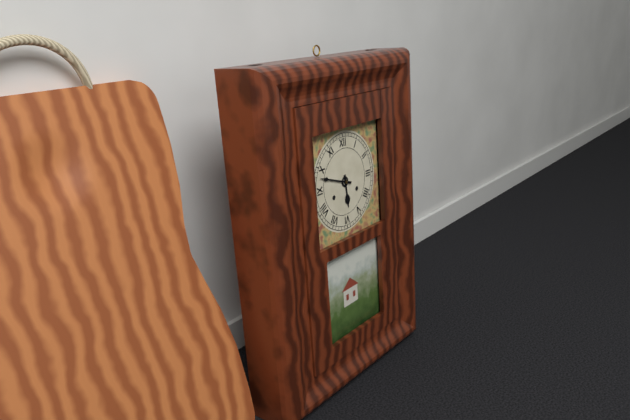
5h48
